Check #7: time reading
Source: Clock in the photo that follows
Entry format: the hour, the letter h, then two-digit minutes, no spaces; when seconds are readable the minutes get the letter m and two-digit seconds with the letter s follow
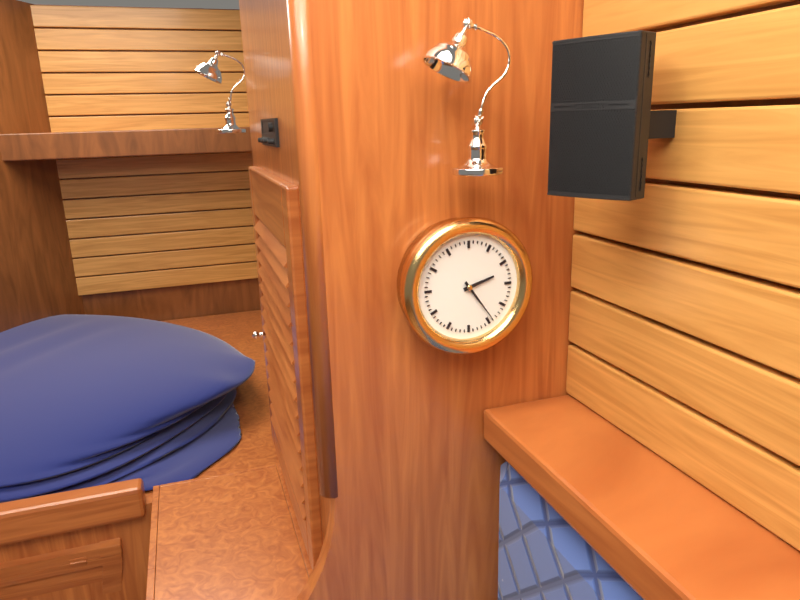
2h24
